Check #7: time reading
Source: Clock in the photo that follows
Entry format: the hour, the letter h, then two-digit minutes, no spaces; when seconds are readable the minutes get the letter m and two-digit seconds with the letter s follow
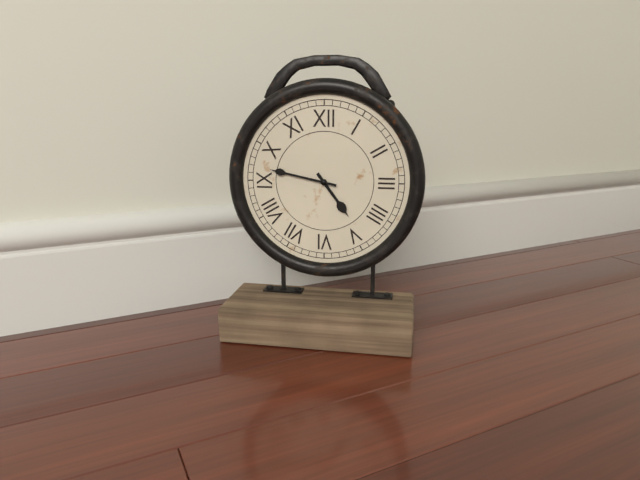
4h47
